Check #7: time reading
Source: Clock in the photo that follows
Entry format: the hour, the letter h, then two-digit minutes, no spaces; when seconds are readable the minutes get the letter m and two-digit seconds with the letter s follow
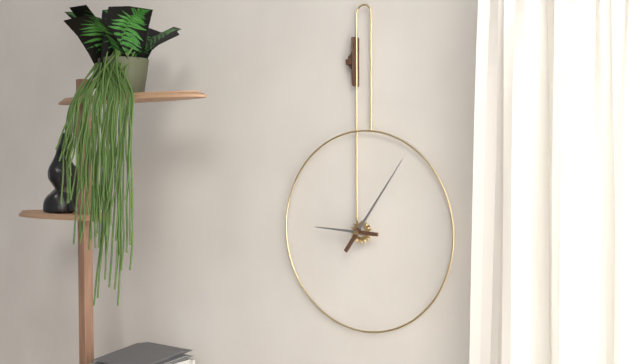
9h06
